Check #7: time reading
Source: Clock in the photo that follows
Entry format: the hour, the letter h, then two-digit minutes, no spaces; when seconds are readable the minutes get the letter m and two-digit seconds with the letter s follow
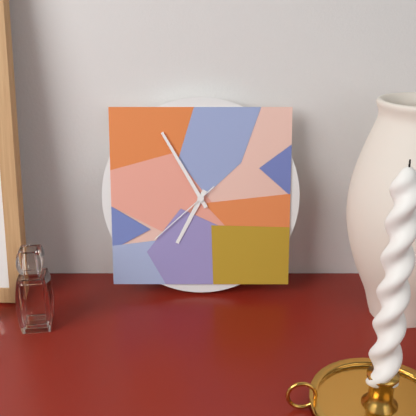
6h55m38s
